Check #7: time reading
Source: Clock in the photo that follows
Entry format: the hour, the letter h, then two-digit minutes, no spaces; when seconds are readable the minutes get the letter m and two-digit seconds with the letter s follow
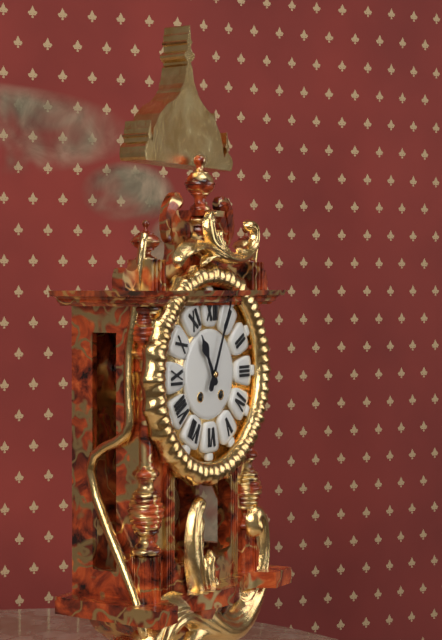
11h04
